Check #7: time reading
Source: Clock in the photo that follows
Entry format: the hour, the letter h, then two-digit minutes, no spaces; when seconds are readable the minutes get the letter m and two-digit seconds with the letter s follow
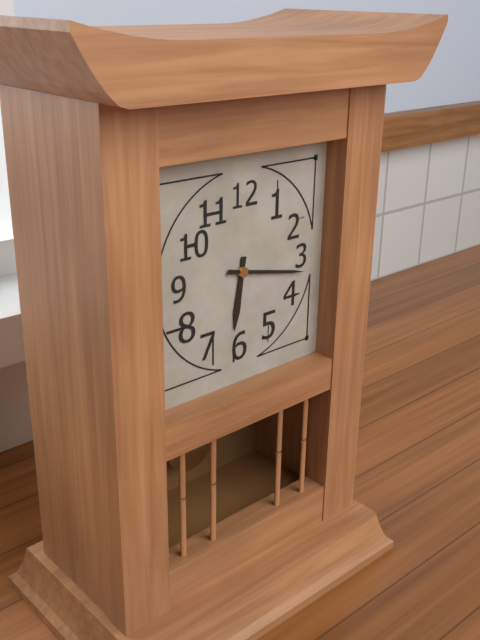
6h17
